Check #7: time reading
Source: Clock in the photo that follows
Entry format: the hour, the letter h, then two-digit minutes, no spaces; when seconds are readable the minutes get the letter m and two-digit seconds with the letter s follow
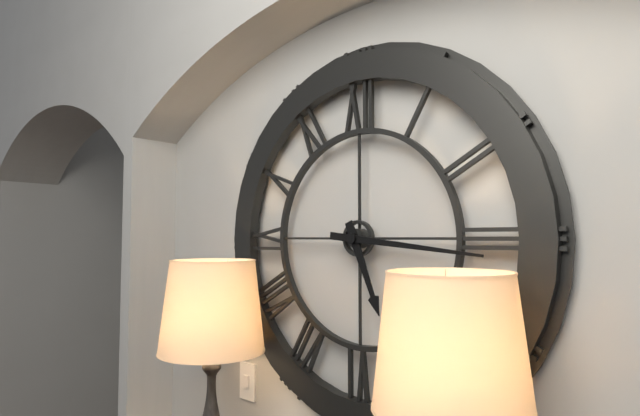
5h16
